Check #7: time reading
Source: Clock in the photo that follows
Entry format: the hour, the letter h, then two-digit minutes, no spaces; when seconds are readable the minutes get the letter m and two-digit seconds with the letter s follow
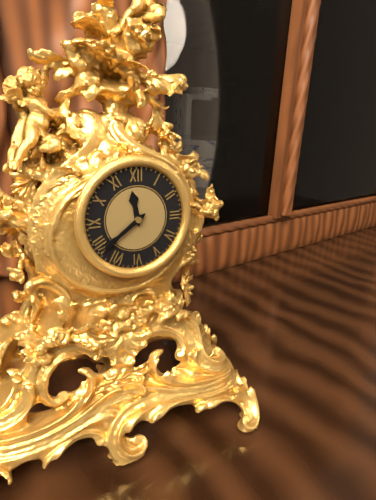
11h39
